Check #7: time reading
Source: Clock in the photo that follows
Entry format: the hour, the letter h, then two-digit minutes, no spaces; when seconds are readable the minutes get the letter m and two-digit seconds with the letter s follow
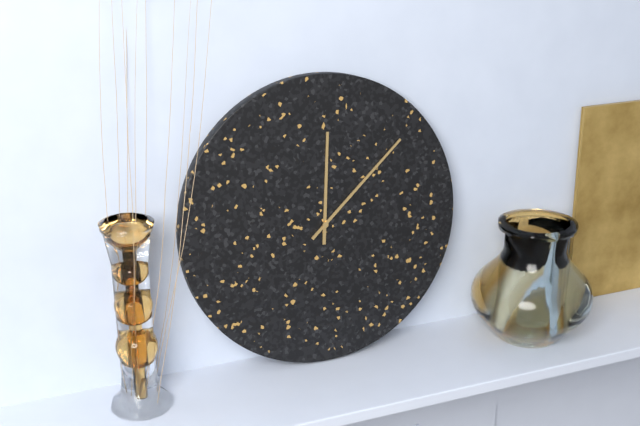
12h08
